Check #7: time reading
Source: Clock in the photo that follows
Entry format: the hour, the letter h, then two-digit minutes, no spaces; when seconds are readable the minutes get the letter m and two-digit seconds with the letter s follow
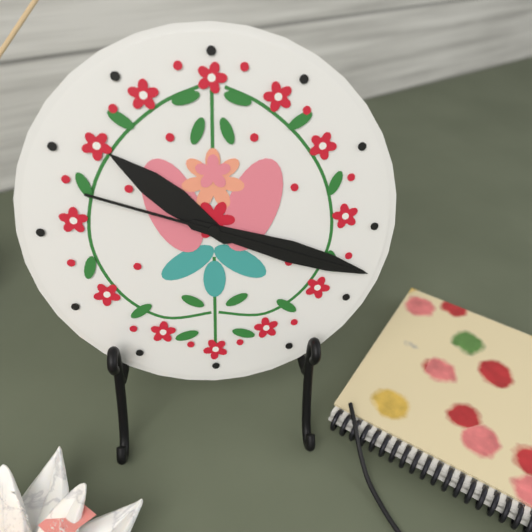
10h18m18s
